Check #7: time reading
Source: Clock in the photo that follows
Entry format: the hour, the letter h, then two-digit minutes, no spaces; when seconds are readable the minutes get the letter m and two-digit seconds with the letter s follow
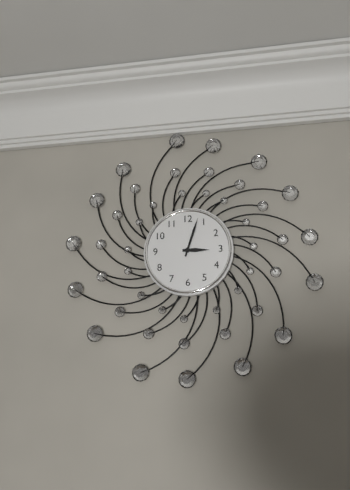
3h03
